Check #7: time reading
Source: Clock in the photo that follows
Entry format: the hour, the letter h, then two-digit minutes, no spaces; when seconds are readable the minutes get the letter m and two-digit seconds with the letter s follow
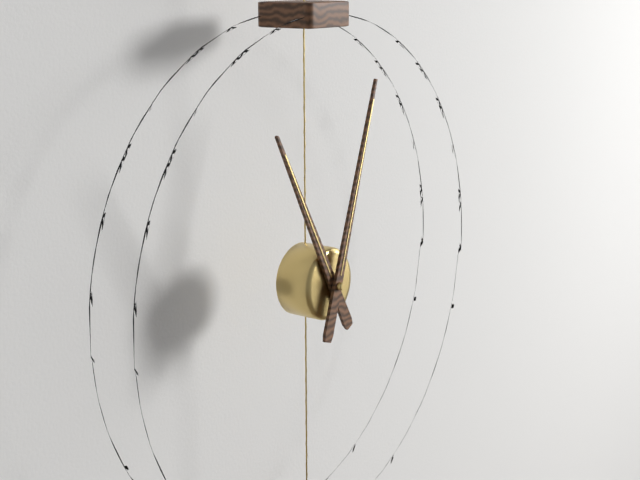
11h03
